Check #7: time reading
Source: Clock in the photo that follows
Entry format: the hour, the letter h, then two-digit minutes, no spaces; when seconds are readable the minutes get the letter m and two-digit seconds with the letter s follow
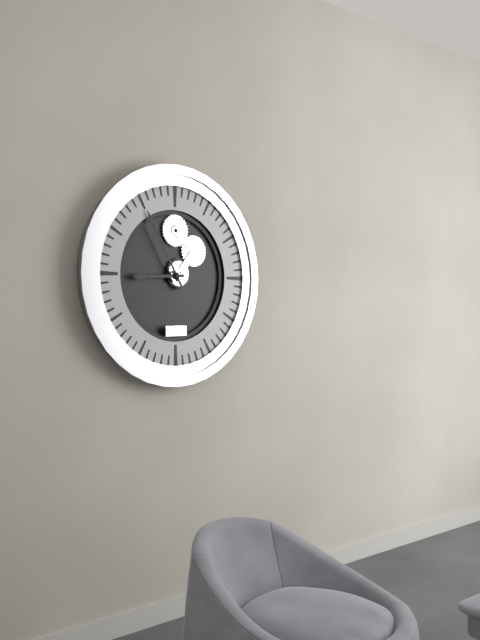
8h55
